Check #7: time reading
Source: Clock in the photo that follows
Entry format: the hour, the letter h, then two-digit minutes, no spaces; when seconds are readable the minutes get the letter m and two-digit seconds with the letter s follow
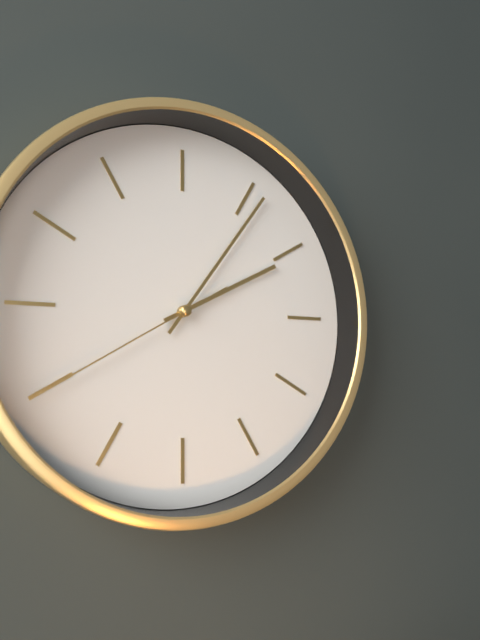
2h06m40s
